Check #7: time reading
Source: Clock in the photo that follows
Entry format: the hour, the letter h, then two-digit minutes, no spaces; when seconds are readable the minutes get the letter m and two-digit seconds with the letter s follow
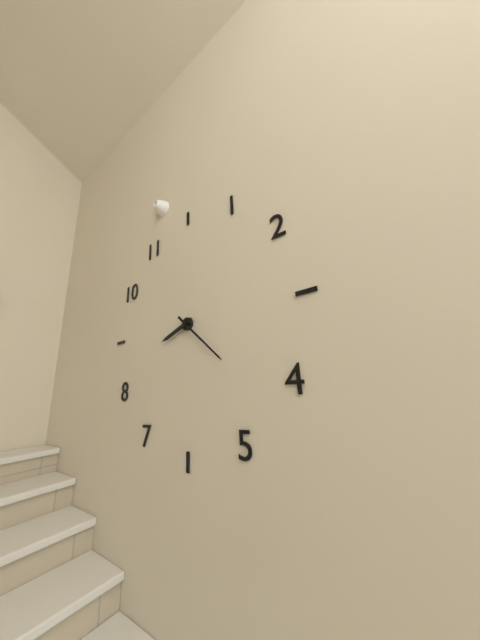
8h22
